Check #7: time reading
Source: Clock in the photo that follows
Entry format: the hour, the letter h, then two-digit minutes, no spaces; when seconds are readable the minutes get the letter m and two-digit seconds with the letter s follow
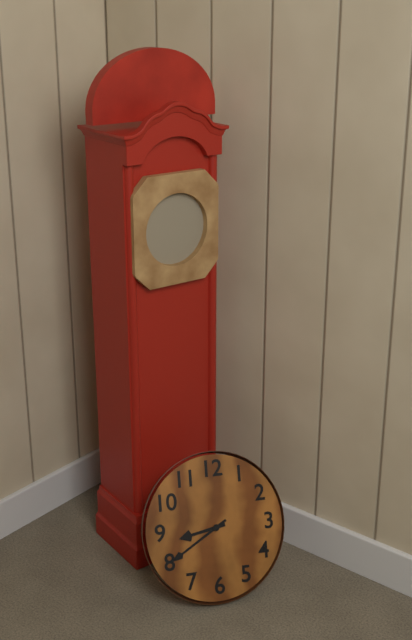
8h40
